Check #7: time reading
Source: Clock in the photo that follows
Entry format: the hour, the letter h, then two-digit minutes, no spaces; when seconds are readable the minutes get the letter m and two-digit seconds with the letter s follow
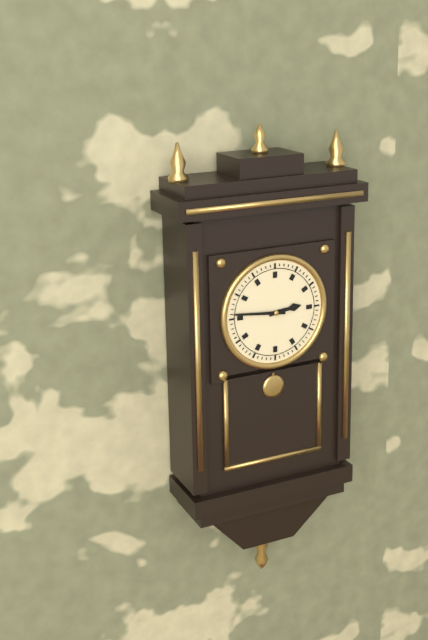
2h46
